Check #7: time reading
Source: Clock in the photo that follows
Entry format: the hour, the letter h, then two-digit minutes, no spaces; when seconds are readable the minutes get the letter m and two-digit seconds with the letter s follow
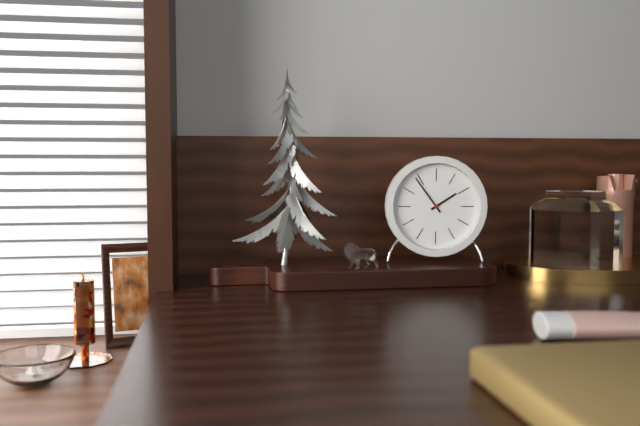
1h54
